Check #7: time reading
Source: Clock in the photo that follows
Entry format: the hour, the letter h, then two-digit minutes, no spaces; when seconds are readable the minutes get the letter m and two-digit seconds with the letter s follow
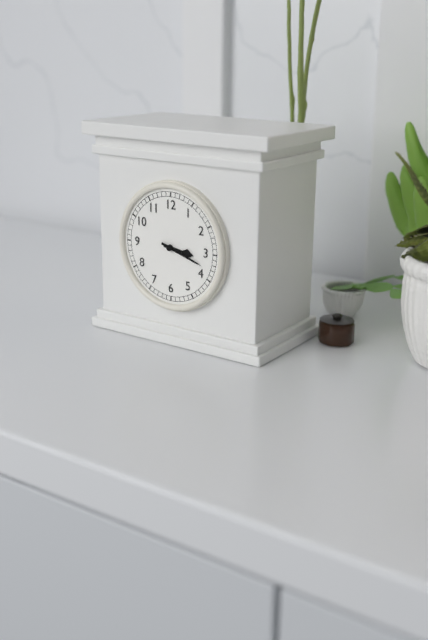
3h18
